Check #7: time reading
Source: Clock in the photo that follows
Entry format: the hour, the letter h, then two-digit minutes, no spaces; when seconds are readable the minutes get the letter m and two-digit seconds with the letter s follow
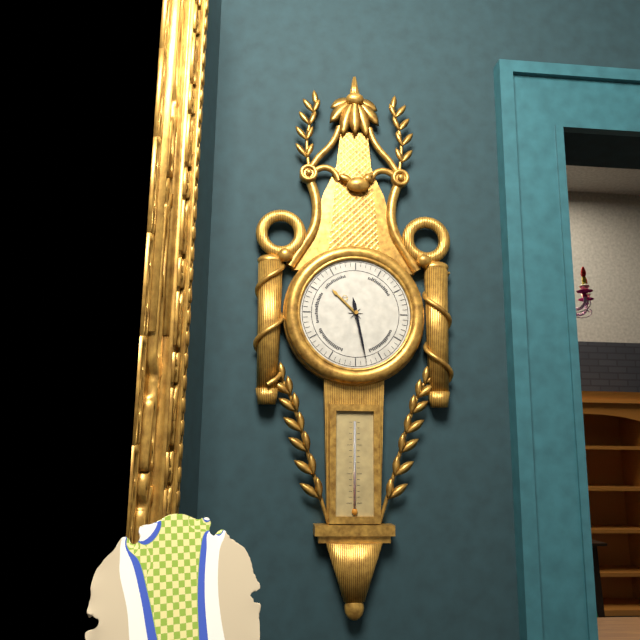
10h28
